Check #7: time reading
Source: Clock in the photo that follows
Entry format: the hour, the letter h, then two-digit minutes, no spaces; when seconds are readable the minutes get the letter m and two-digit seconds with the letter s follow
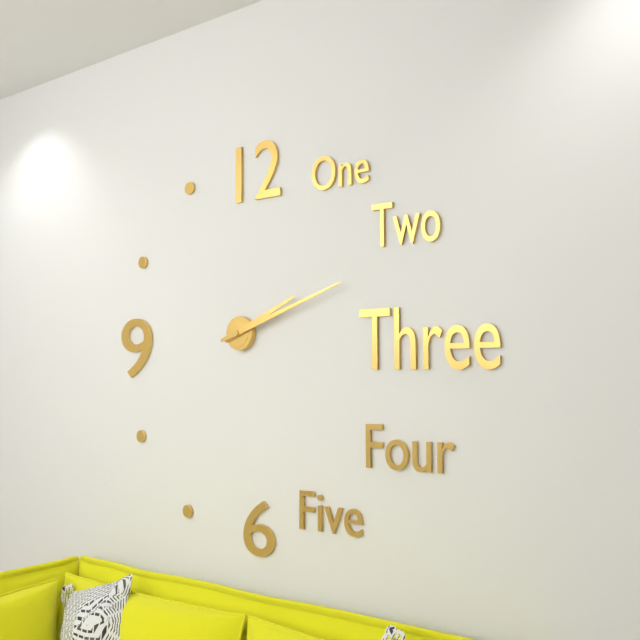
2h12
